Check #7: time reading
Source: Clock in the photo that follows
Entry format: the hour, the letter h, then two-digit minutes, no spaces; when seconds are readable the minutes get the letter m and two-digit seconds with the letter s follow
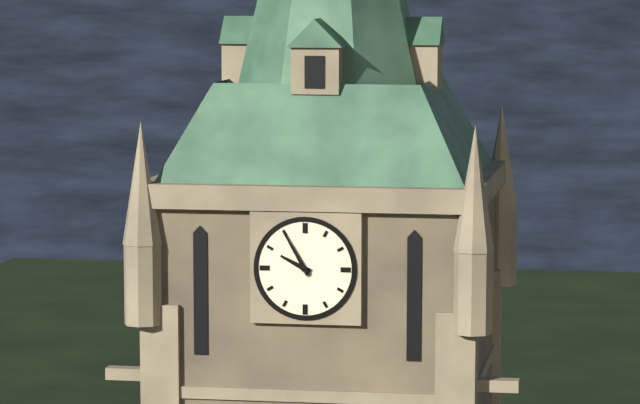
9h55
